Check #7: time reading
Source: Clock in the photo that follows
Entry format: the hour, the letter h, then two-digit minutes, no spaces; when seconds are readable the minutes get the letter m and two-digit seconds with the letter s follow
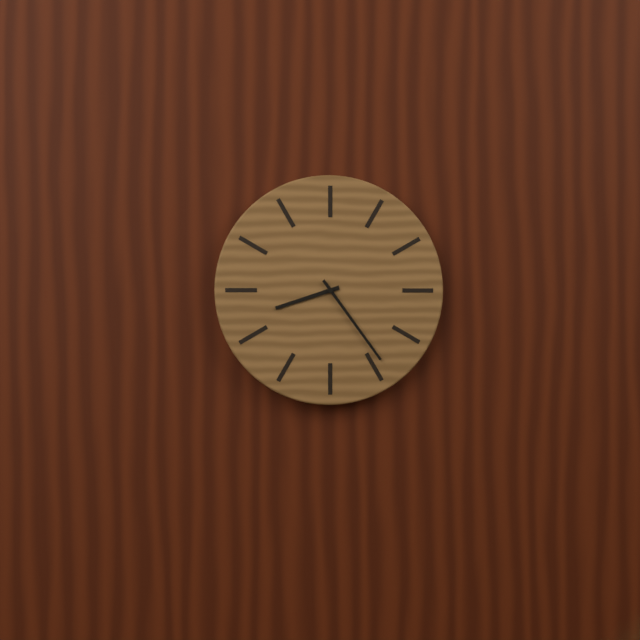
8h24
